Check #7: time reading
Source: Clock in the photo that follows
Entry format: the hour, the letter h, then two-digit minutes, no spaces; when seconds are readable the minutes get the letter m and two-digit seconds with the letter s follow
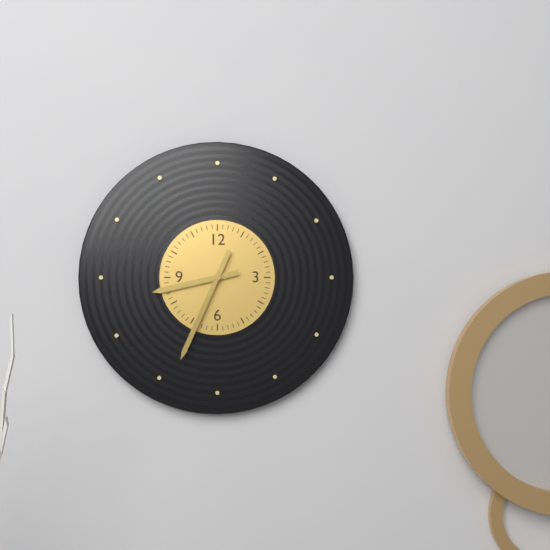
8h34
